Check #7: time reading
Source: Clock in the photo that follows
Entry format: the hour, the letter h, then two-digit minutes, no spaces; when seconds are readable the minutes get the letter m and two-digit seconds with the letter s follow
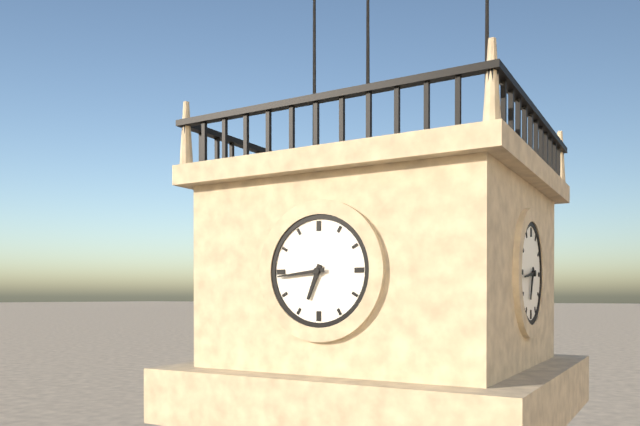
6h44
